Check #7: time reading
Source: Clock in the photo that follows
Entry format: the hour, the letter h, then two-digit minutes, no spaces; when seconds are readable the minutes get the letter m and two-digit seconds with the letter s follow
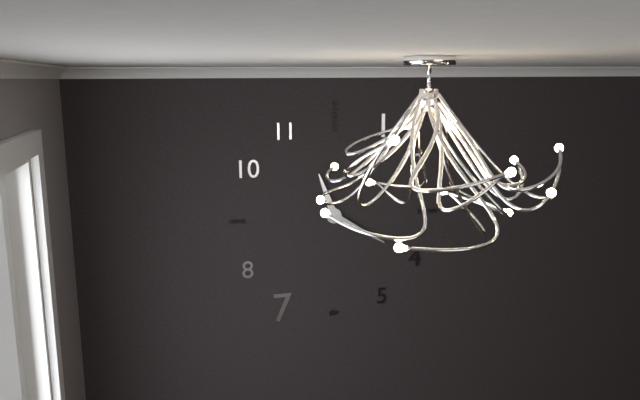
11h20
